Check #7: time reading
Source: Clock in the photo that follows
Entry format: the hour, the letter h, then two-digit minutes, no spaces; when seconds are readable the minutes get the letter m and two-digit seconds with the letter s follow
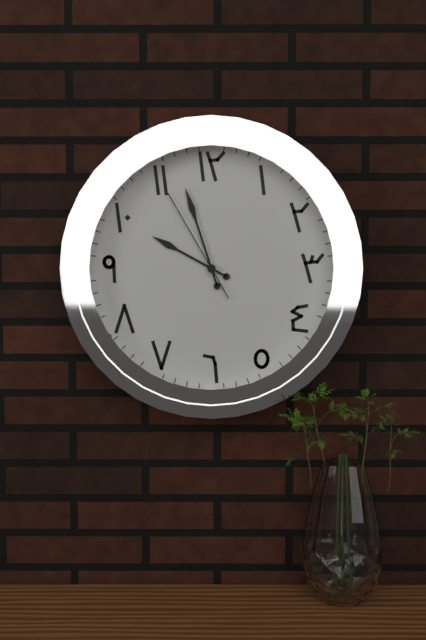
9h57m55s
